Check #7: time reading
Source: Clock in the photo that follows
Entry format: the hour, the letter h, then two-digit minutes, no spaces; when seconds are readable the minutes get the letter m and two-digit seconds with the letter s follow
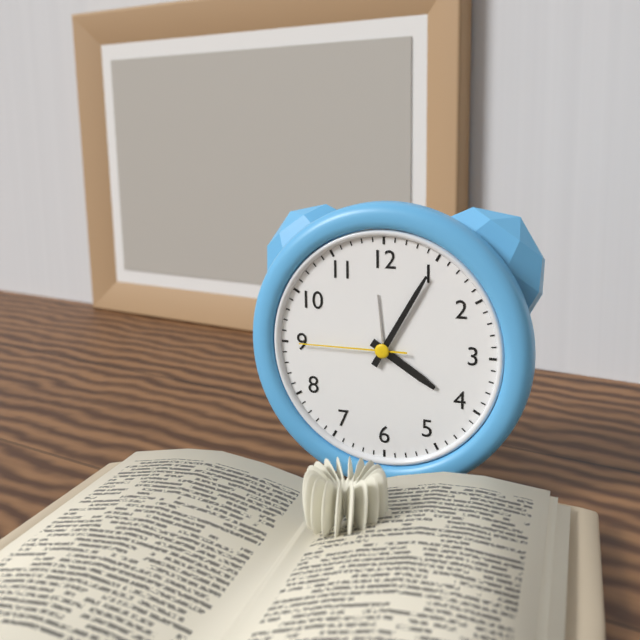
4h05m45s
